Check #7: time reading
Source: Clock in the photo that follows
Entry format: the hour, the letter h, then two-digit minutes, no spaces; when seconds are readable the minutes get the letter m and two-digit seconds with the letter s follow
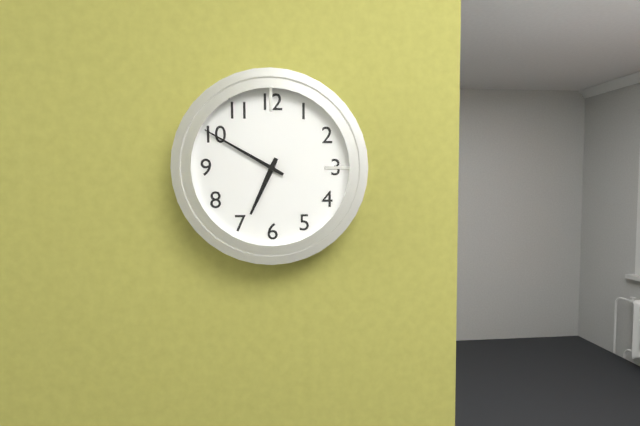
6h50
